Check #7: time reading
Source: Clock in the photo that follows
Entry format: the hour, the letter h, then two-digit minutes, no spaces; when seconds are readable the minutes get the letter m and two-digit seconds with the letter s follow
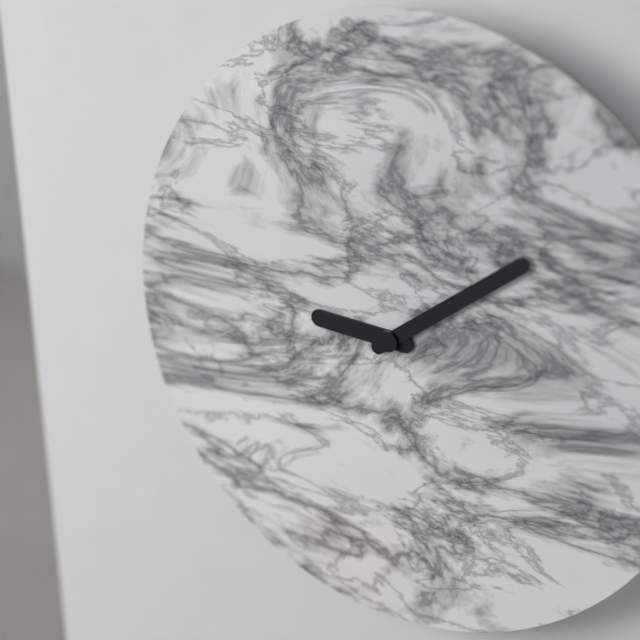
9h09
